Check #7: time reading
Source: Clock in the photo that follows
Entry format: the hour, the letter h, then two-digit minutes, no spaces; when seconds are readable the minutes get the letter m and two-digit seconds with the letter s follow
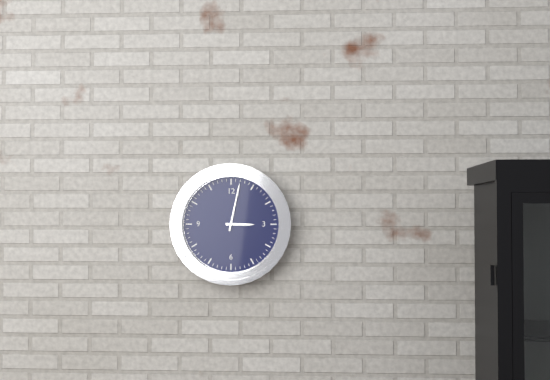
3h02
